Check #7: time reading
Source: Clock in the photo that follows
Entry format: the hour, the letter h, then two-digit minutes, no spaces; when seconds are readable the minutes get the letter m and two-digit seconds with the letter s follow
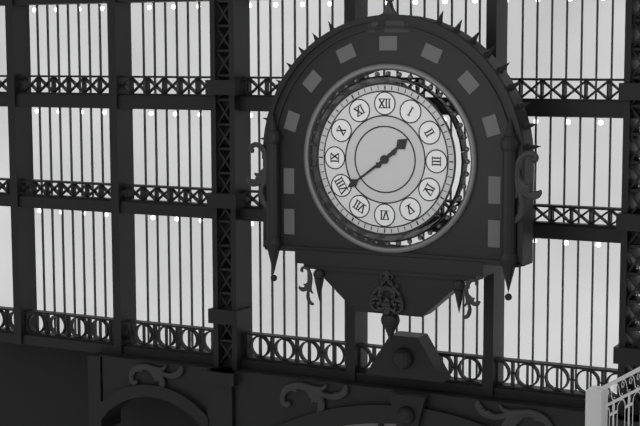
1h39
